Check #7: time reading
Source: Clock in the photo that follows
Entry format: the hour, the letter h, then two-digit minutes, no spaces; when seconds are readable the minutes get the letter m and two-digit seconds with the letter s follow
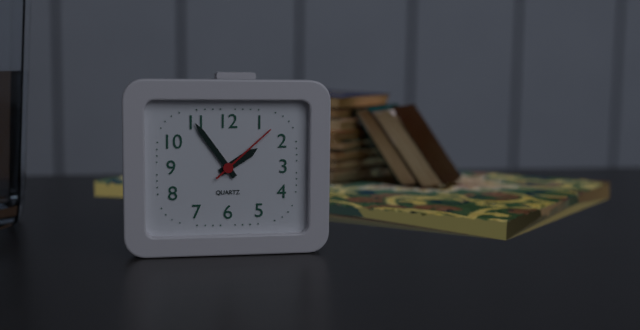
1h54m08s
